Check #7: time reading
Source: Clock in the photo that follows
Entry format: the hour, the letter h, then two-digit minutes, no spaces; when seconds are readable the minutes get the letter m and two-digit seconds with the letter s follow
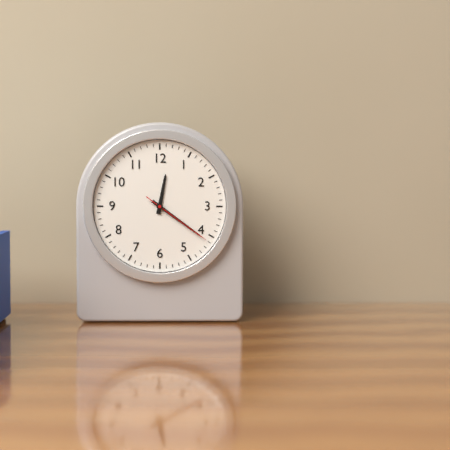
12h21m21s
